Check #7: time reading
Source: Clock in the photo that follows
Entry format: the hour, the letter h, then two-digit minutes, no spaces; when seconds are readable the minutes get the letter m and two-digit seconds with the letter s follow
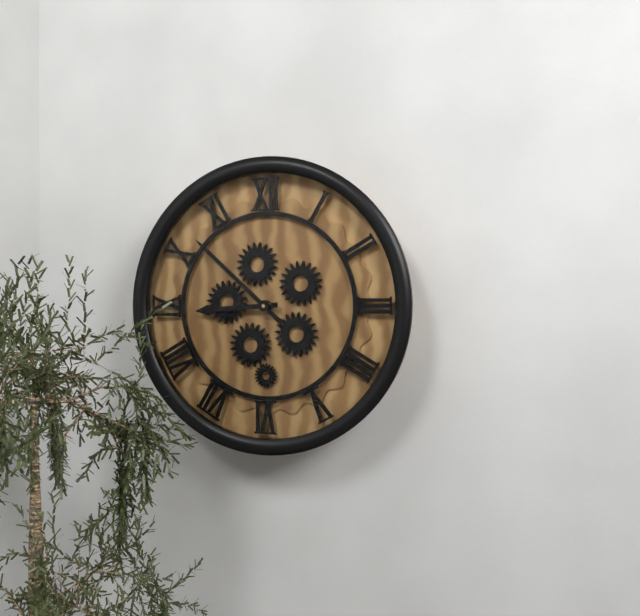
8h52
